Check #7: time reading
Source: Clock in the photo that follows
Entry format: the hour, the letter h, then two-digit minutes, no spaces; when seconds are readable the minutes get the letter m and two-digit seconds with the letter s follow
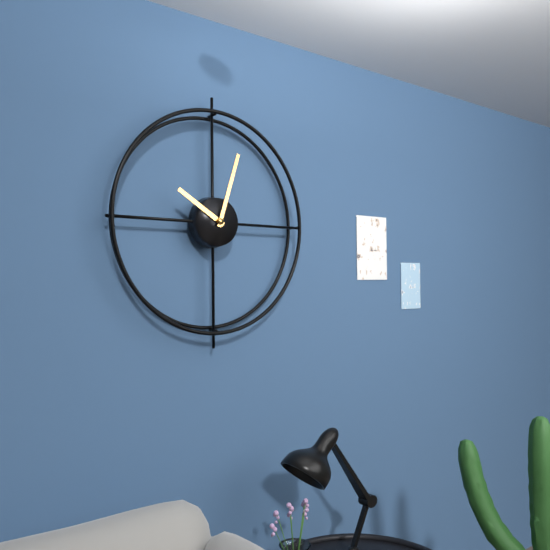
10h03
